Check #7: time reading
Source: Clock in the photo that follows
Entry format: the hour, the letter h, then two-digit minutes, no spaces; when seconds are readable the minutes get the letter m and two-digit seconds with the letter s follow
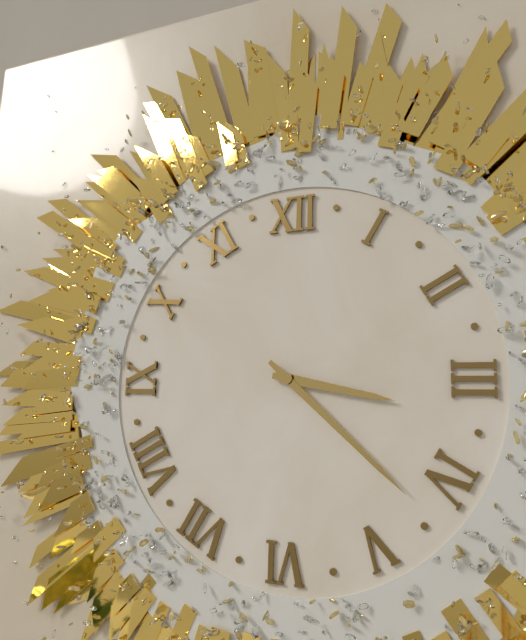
3h22
